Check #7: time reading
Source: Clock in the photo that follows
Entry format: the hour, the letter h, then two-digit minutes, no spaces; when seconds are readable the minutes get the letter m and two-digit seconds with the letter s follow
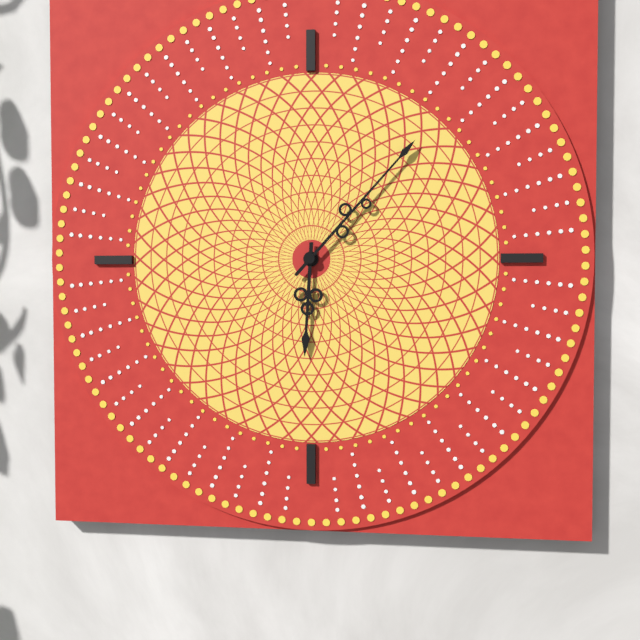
6h07
